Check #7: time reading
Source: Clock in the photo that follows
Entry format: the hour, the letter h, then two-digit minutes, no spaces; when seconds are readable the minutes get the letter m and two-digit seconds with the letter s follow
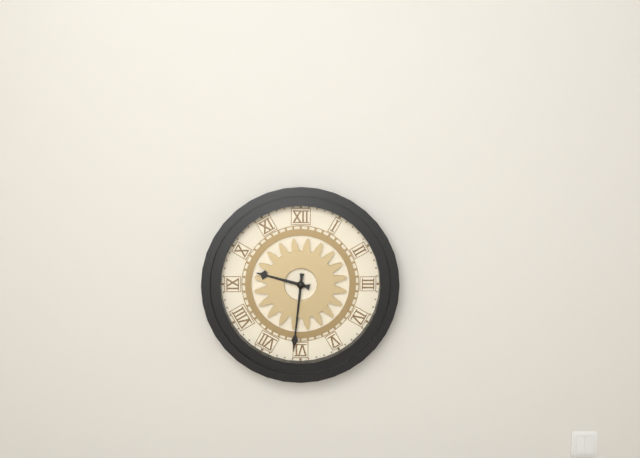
9h31
